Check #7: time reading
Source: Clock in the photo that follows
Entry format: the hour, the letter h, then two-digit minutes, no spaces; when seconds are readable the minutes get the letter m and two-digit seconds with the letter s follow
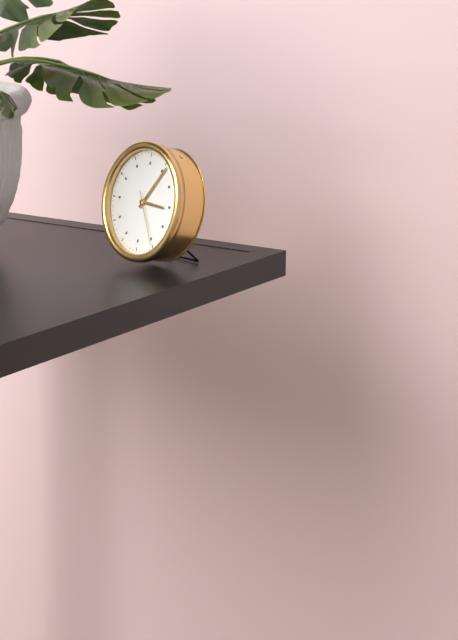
3h06m25s
